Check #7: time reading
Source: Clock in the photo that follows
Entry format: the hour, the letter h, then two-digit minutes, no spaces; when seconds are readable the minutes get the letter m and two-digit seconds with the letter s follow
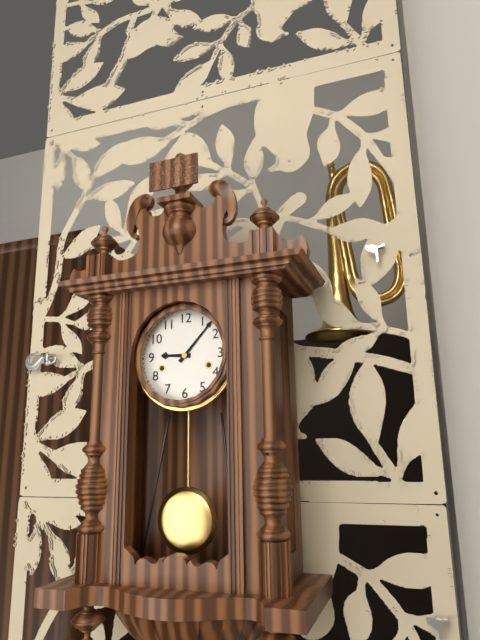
9h07
